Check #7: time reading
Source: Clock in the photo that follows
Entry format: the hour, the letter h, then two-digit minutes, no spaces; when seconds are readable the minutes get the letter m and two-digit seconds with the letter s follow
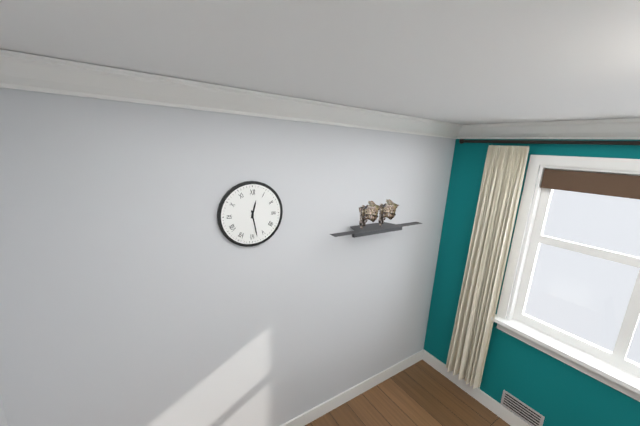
12h28
